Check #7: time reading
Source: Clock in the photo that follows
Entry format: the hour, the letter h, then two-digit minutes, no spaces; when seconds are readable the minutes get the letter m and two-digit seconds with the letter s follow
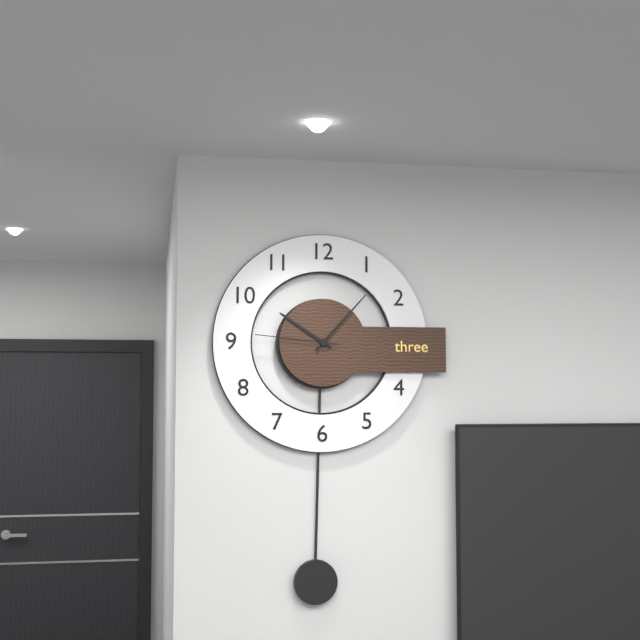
10h07m46s
